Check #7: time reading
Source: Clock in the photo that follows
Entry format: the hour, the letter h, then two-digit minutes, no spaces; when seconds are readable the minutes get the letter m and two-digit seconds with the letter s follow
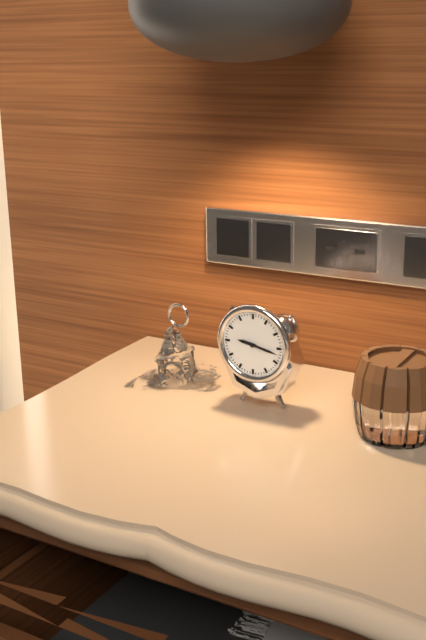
9h17
